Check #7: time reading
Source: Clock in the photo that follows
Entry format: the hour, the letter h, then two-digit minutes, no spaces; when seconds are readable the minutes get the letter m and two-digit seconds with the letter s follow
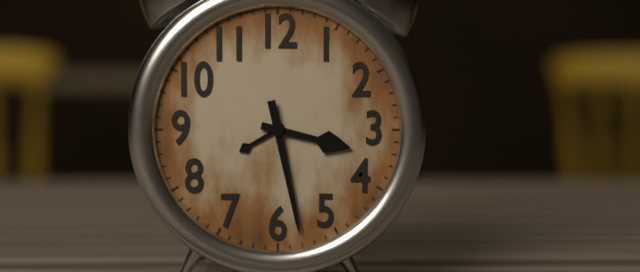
3h28
